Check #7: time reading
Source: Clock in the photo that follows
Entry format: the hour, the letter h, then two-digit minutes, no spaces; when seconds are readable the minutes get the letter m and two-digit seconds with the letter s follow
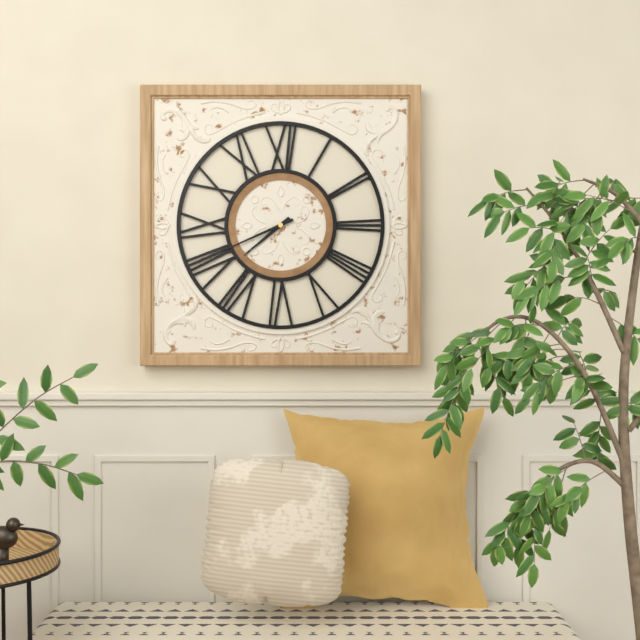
7h41
